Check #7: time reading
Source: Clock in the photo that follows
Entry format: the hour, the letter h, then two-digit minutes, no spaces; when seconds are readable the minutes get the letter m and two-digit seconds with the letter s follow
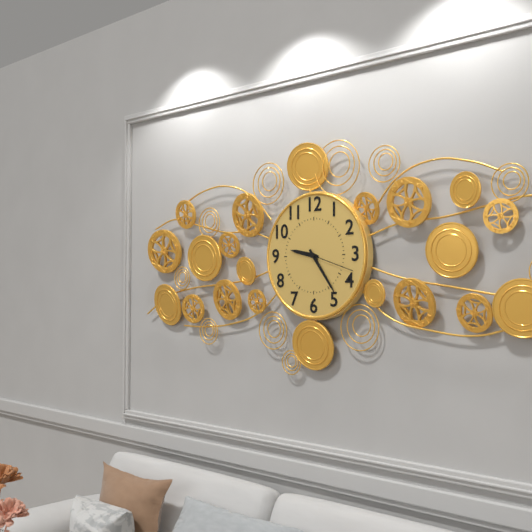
9h24m18s
